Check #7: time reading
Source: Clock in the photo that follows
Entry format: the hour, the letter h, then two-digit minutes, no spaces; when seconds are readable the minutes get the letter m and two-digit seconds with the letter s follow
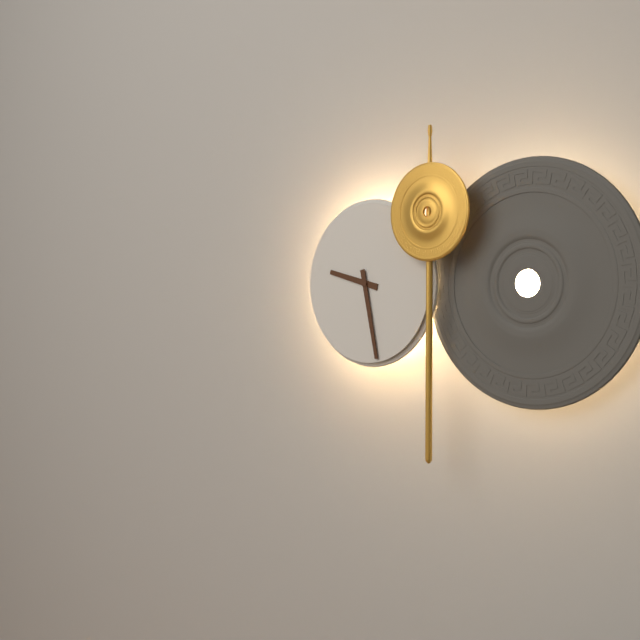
9h28
